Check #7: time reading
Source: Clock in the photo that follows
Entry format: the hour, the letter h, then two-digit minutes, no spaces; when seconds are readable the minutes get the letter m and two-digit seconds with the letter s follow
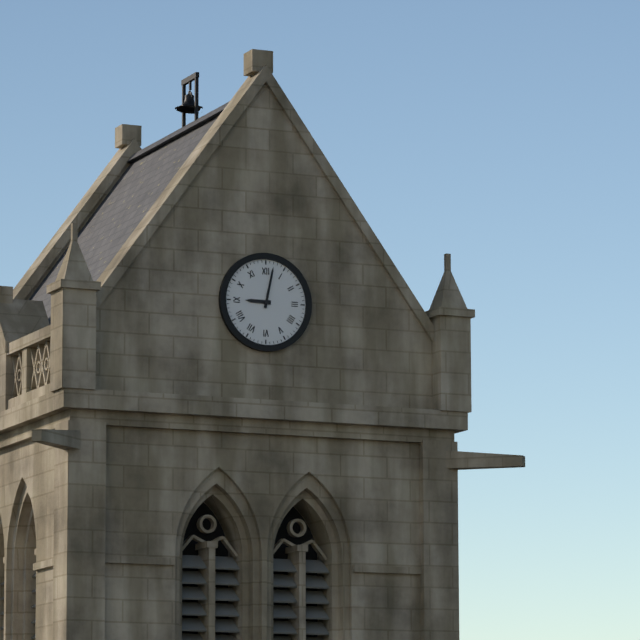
9h02
